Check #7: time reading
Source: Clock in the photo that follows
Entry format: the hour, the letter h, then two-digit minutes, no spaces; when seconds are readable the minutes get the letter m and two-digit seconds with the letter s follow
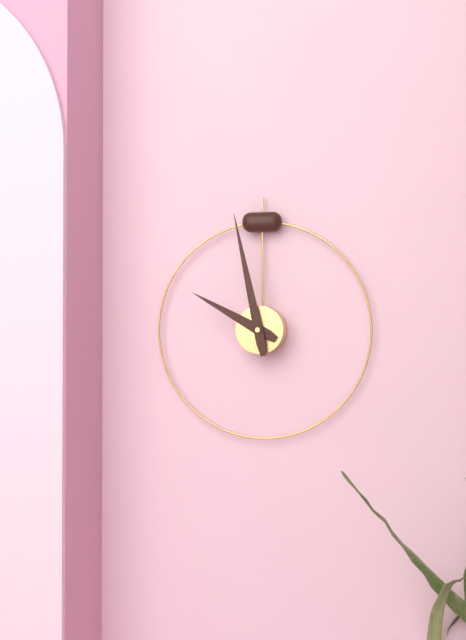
9h58
